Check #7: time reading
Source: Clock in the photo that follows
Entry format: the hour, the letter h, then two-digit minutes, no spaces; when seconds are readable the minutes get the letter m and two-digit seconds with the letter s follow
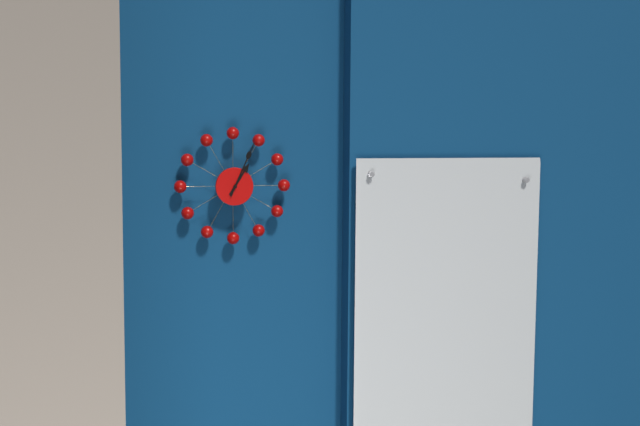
1h04
